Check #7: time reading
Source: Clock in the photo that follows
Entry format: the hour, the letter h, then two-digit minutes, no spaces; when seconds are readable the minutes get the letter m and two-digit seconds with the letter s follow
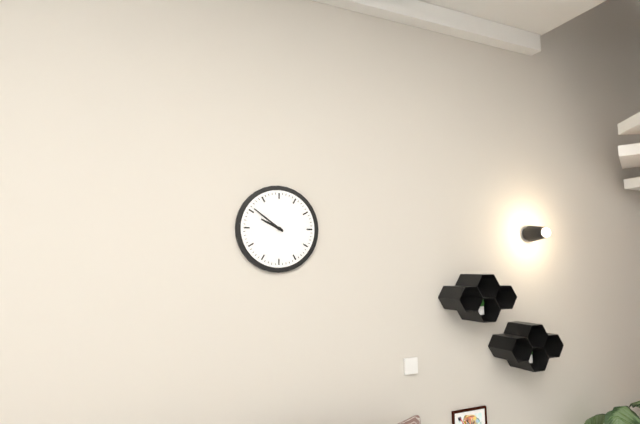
9h51
